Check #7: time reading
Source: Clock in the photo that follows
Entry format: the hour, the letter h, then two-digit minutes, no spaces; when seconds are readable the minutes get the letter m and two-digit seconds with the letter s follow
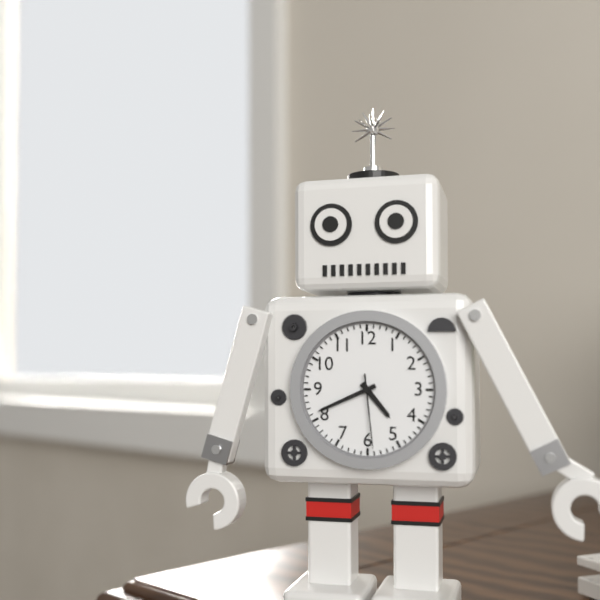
4h41m29s
